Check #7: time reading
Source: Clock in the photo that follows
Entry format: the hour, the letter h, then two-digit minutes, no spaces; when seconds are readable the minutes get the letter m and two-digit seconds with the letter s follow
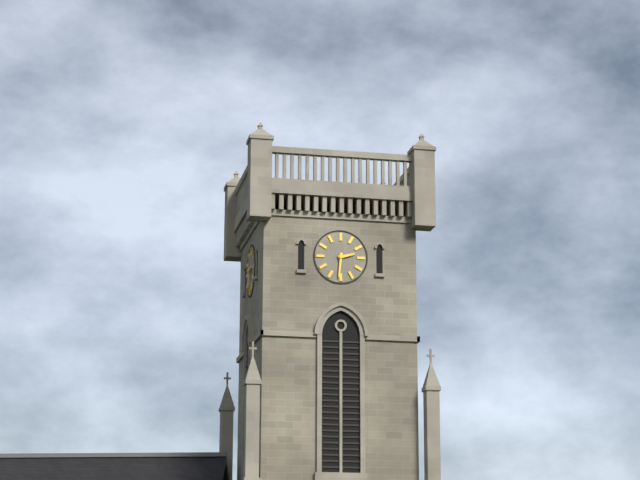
2h31
